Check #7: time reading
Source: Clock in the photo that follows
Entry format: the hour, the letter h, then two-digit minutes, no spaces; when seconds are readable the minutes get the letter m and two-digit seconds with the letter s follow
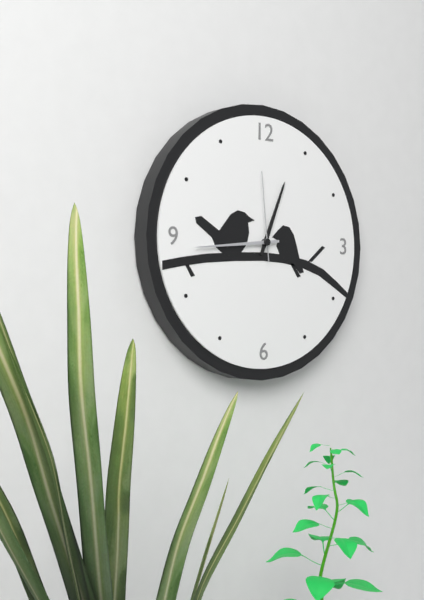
12h44m59s
